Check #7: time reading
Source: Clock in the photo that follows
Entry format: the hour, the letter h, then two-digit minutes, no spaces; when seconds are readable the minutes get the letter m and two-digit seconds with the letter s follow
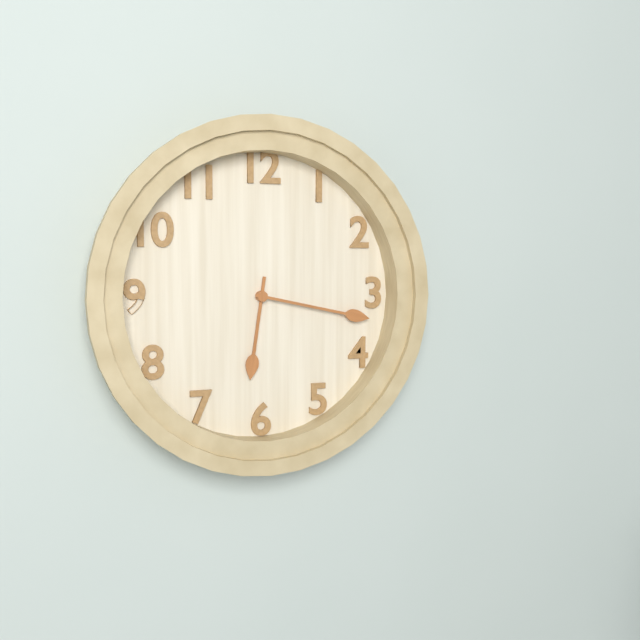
6h17
